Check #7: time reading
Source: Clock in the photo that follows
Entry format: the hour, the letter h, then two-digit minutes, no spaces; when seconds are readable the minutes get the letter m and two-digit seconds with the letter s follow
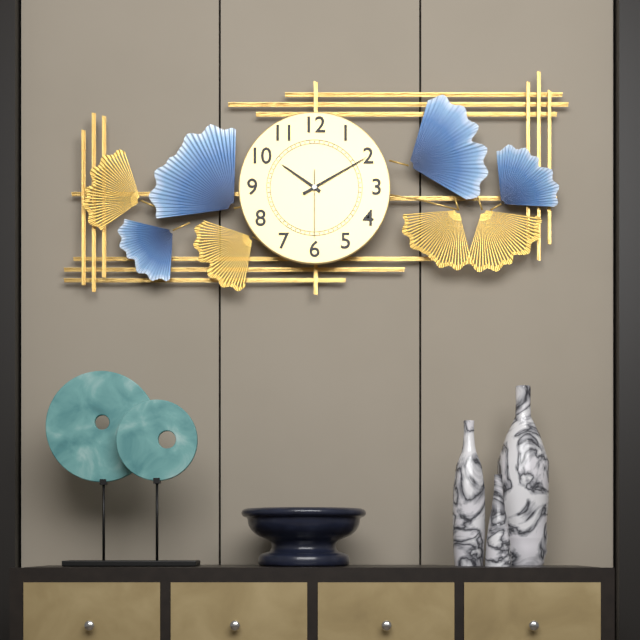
10h10m30s
